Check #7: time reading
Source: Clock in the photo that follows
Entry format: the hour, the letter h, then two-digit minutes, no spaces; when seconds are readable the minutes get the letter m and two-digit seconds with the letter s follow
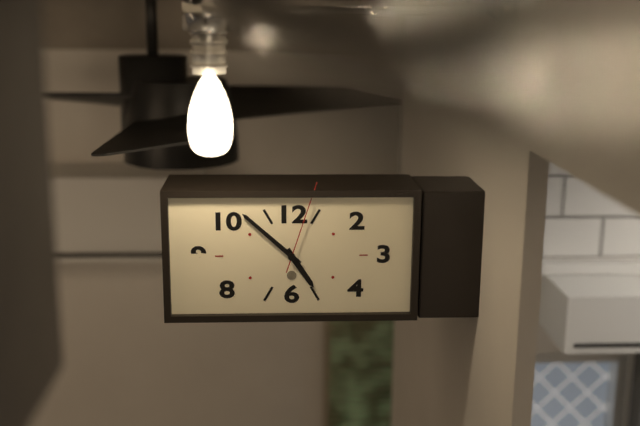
4h52m03s
